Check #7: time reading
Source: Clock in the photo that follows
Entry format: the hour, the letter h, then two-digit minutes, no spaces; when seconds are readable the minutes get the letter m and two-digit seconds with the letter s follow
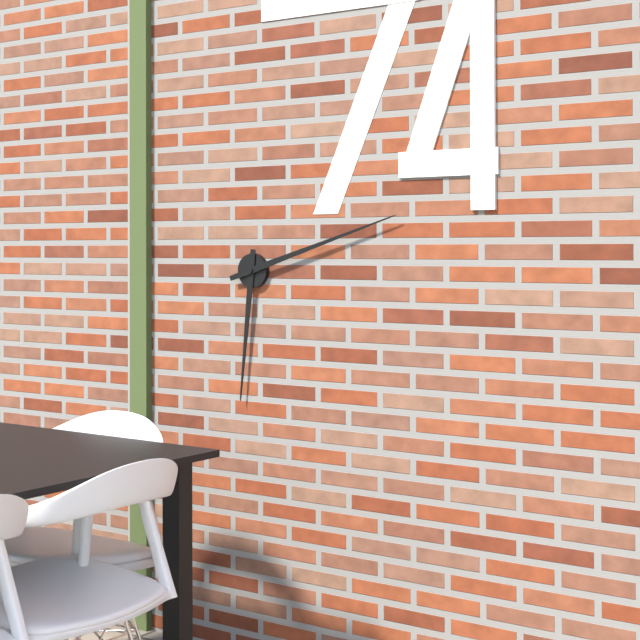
6h12
